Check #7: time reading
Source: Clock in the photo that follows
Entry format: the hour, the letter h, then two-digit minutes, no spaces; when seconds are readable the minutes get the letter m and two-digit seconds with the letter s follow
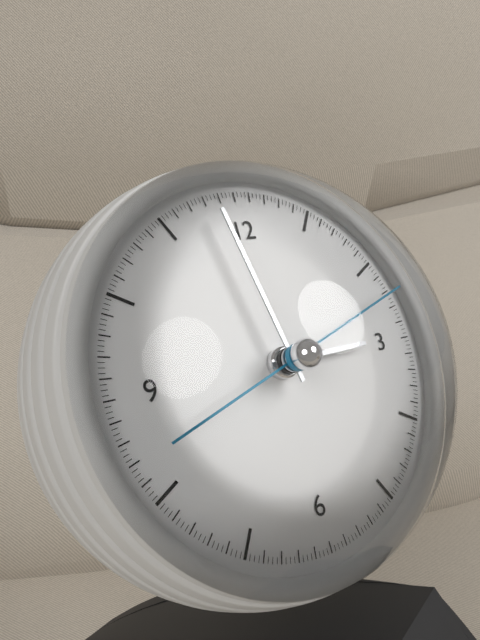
2h58m12s
